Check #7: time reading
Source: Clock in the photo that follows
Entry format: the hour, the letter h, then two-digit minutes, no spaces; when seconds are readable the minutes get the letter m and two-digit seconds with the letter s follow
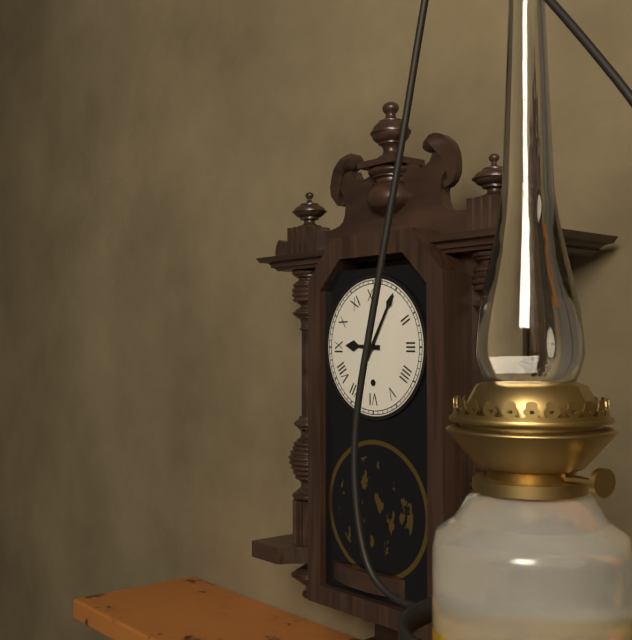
9h05
